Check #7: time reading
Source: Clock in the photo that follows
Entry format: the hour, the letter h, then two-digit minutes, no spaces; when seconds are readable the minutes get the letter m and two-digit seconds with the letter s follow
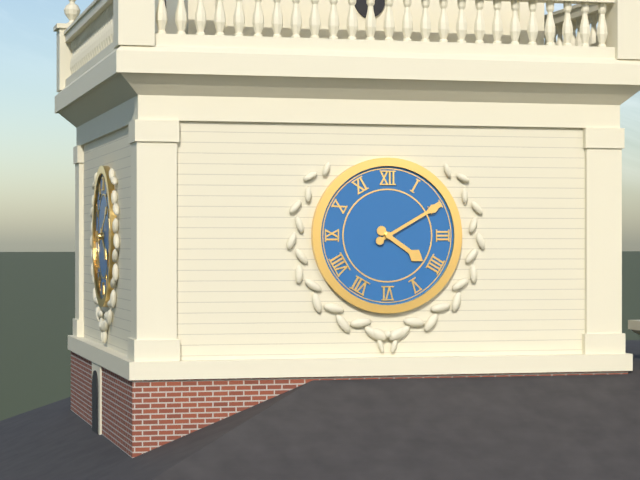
4h10
